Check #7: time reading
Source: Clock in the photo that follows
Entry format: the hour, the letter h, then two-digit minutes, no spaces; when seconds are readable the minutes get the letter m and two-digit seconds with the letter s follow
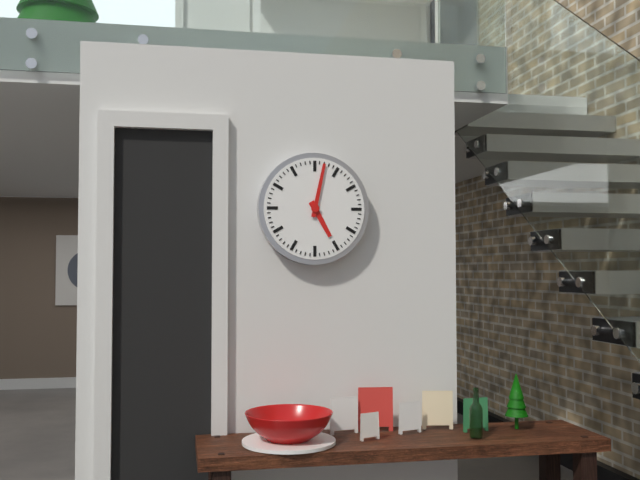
5h02
